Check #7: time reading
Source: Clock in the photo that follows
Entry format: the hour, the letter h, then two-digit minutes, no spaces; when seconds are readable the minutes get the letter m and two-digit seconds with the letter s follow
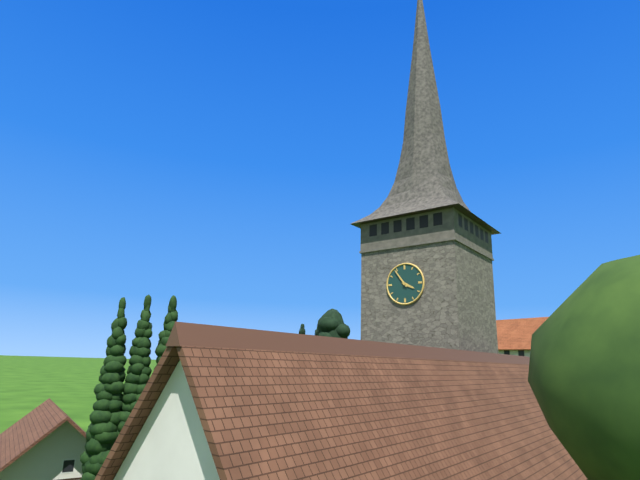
3h54
